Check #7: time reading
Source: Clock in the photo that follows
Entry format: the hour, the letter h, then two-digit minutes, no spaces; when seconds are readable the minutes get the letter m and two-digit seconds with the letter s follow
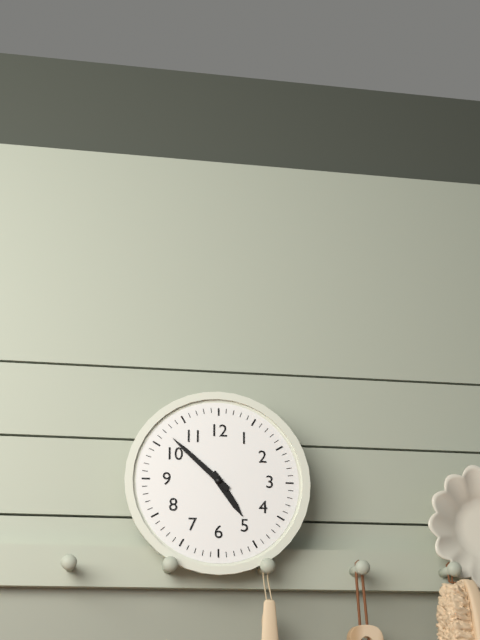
4h52
